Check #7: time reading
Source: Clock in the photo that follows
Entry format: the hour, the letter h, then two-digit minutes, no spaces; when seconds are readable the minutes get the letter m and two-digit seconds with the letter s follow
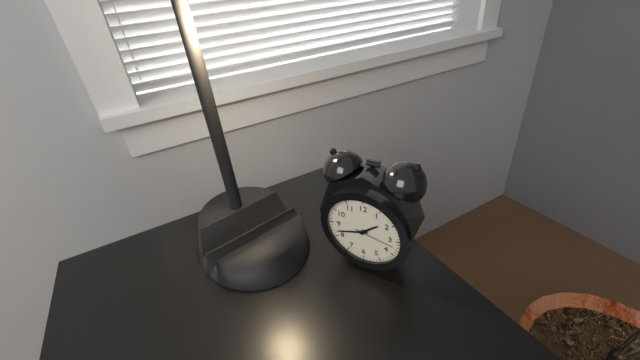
1h42
